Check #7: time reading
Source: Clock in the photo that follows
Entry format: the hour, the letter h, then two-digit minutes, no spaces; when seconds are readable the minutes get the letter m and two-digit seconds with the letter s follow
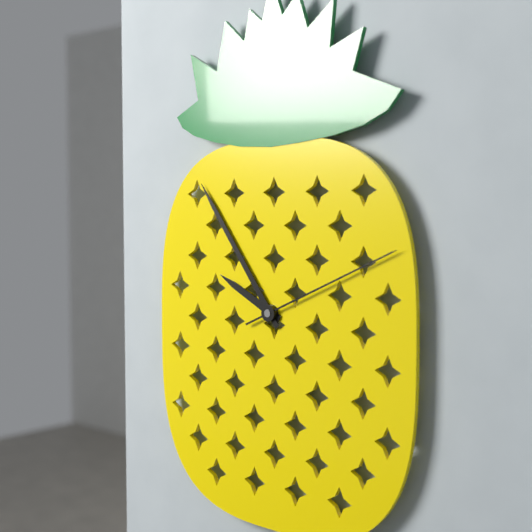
9h54m11s
